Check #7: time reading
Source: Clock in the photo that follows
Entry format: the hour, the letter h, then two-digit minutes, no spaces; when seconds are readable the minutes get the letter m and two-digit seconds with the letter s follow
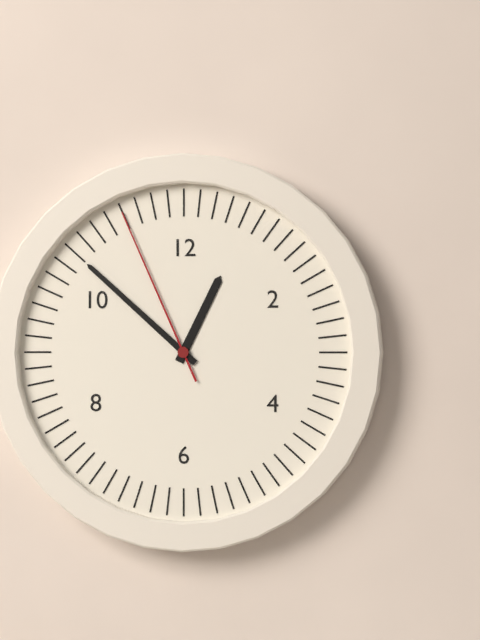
12h52m56s
